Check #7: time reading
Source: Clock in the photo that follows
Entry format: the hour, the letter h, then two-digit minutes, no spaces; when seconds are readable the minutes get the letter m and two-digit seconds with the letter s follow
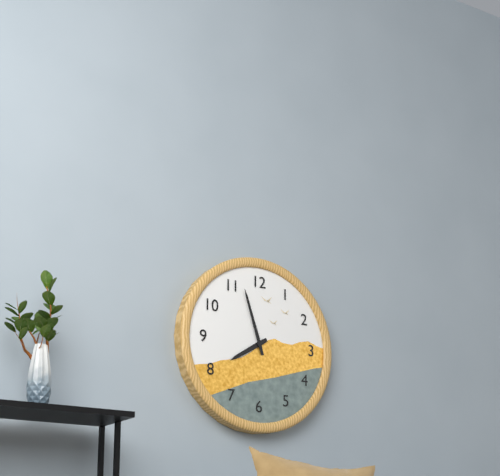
7h57
